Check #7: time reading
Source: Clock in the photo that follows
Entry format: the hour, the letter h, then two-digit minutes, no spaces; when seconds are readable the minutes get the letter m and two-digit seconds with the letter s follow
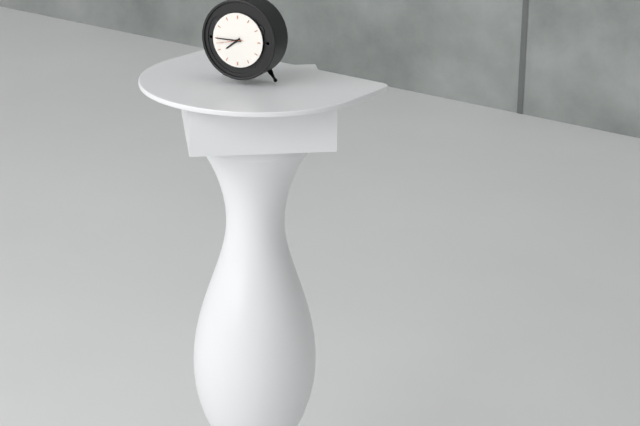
7h45
